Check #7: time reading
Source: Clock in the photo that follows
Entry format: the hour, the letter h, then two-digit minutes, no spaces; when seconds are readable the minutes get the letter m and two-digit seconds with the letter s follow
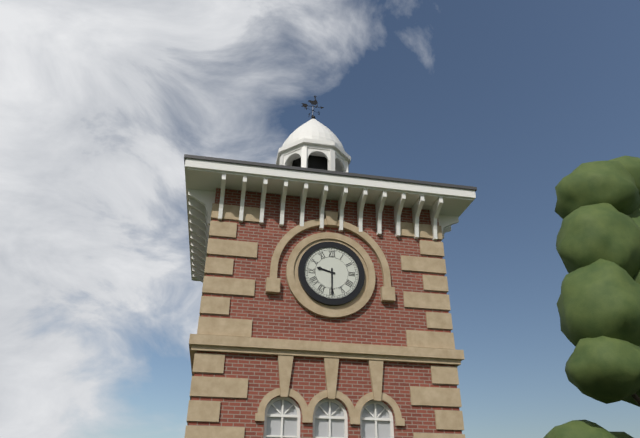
9h30
